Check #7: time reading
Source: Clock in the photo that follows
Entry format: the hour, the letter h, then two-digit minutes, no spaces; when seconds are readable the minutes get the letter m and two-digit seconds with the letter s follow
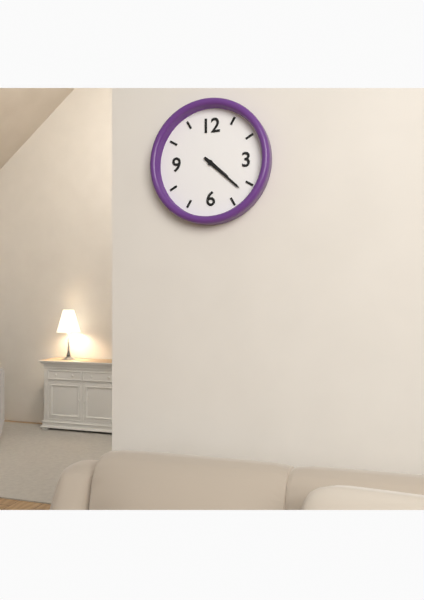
4h22
